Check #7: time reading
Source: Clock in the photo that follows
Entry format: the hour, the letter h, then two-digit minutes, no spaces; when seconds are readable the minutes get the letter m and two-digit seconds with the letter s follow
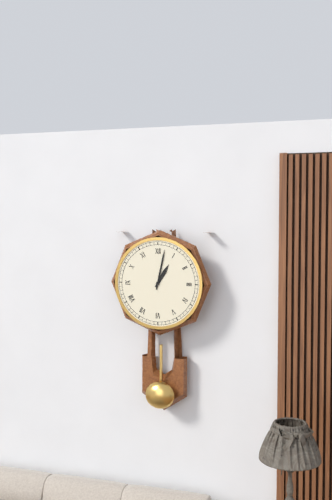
1h02
